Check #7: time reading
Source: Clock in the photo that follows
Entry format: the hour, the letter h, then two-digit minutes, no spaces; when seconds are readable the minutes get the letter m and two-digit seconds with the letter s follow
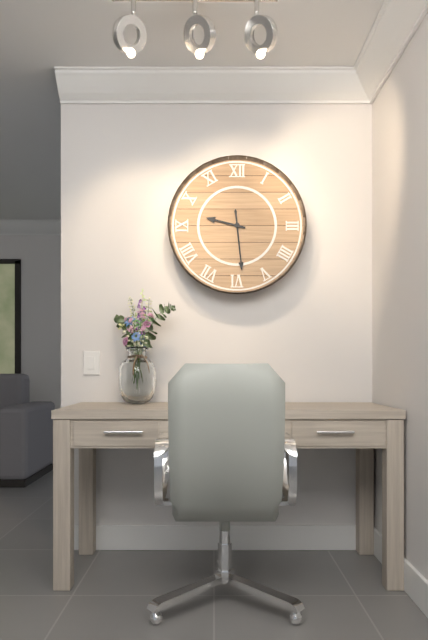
9h29
